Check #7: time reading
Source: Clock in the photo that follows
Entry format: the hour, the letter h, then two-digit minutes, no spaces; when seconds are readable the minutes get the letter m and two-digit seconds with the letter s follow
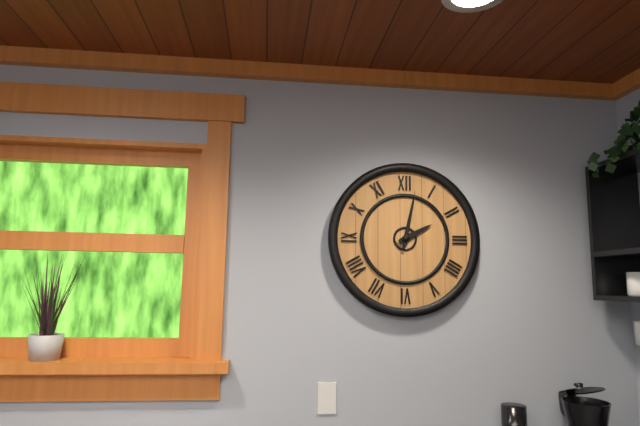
2h02
